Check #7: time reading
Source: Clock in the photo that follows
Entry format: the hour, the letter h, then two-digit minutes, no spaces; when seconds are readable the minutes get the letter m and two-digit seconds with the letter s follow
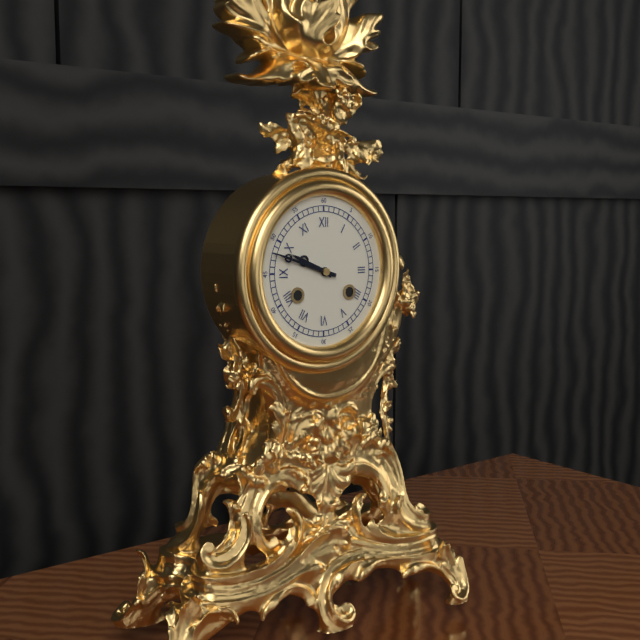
9h48
